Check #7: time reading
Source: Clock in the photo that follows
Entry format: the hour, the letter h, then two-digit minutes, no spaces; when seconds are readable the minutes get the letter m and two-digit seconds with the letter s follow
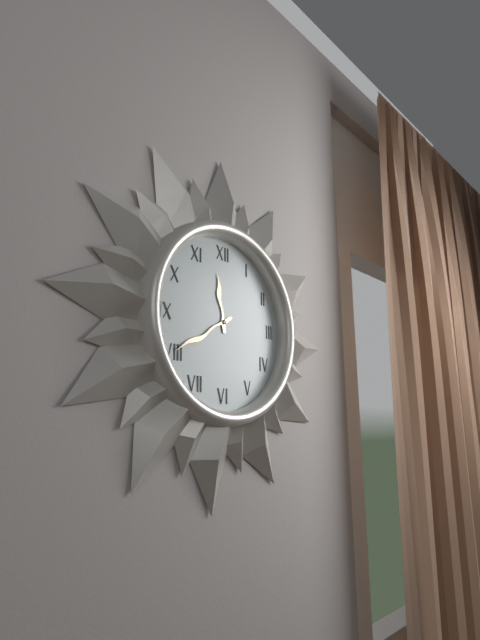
11h40
